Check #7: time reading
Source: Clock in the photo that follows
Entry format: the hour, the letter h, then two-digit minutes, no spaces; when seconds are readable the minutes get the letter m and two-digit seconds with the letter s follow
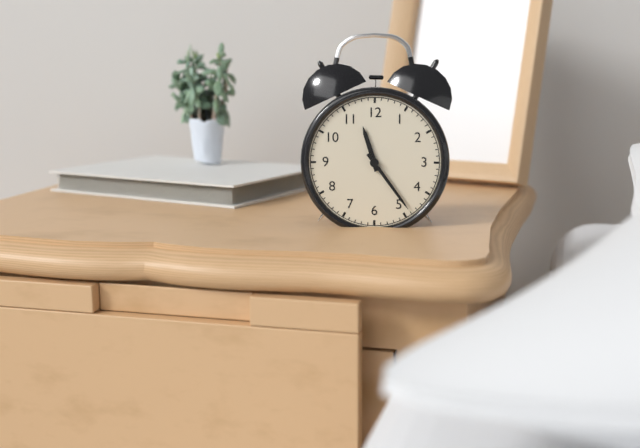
11h24
